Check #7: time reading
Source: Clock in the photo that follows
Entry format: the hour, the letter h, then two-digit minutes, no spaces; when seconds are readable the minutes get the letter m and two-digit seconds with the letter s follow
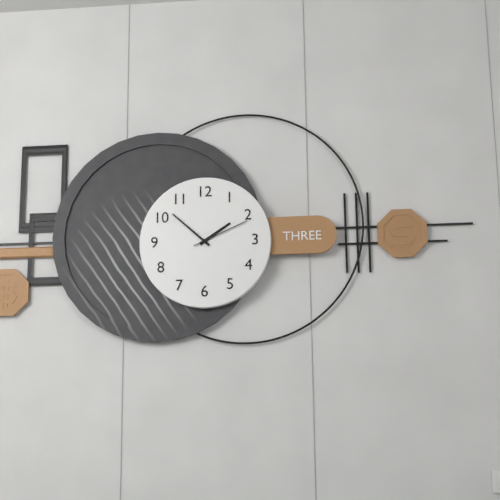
1h52m11s
